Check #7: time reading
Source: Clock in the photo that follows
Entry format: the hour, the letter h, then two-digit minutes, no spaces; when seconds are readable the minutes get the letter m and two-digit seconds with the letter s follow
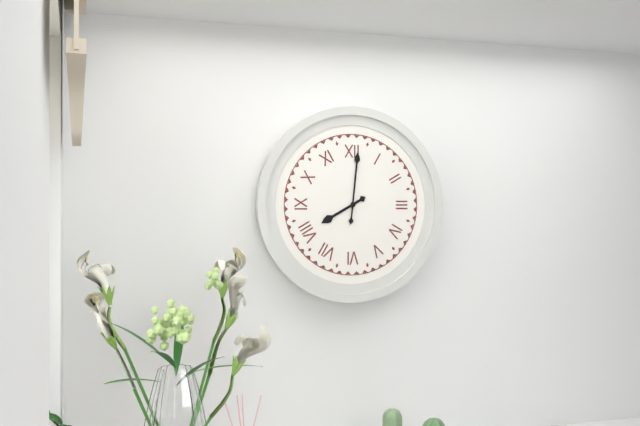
8h01
